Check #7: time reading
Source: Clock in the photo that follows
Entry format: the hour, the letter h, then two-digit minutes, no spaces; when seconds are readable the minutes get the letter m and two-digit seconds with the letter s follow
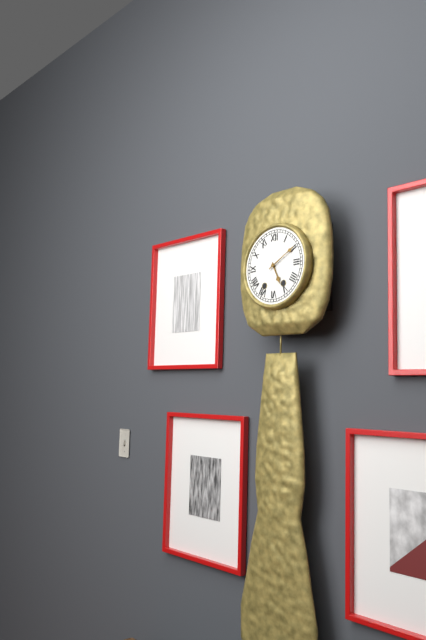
5h10
